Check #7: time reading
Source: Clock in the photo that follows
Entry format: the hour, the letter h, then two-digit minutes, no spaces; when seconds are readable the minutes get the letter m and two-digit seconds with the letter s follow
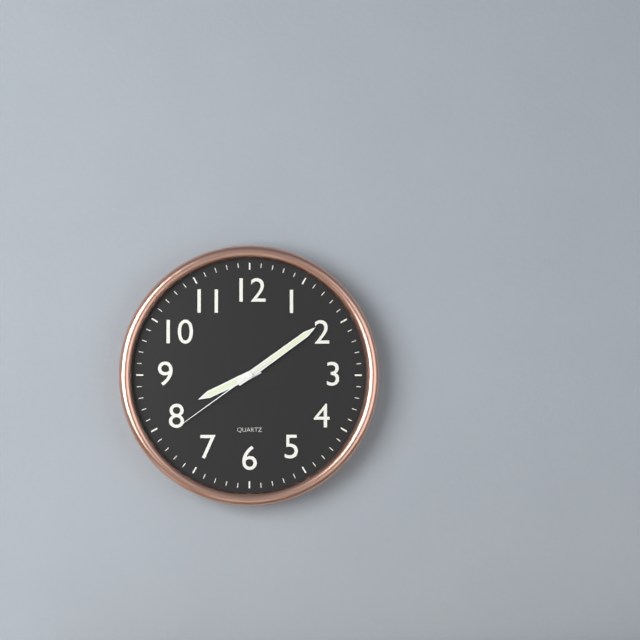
8h09m39s
